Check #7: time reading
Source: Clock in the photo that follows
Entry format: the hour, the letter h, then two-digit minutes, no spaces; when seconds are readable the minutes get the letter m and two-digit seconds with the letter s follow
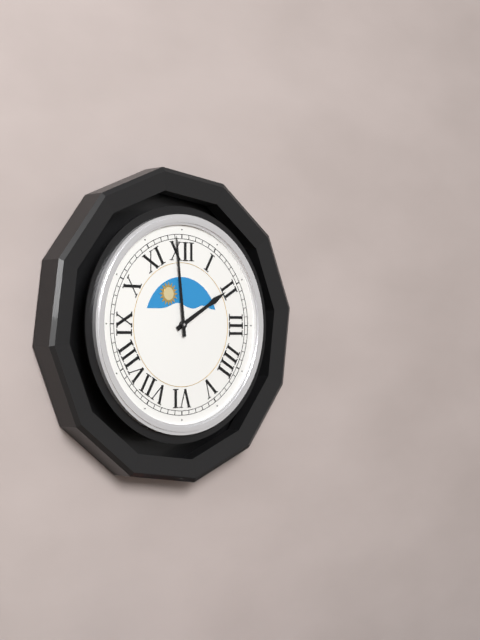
1h59
